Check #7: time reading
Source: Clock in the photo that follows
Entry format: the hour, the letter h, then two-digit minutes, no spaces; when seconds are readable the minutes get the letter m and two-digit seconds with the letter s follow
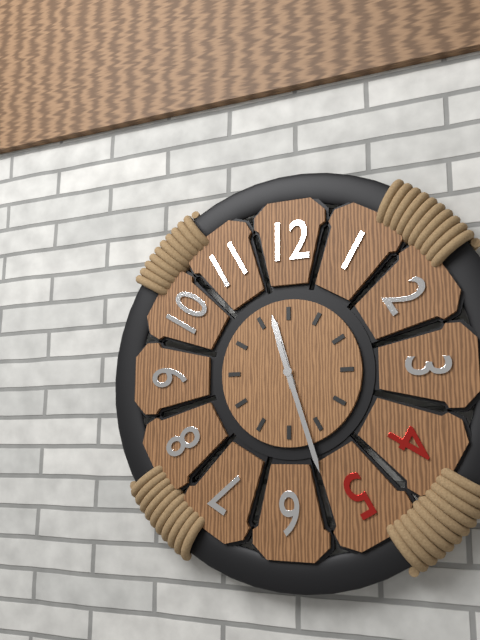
11h27
